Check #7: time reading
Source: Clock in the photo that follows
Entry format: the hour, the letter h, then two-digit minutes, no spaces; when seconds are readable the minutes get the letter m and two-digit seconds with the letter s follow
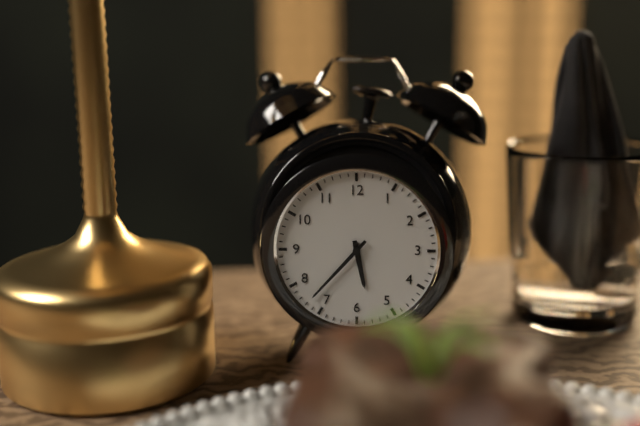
5h37
